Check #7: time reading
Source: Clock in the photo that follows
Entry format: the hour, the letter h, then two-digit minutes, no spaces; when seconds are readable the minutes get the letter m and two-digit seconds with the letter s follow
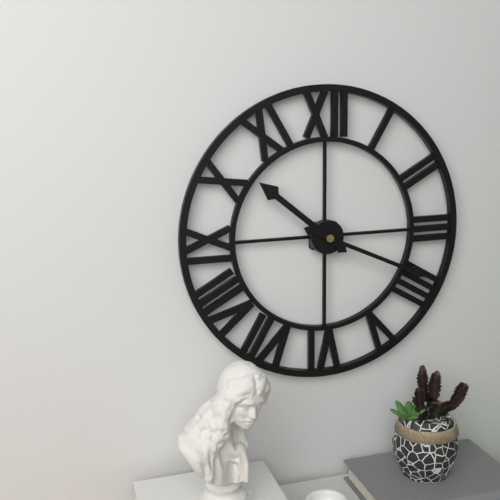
10h19
